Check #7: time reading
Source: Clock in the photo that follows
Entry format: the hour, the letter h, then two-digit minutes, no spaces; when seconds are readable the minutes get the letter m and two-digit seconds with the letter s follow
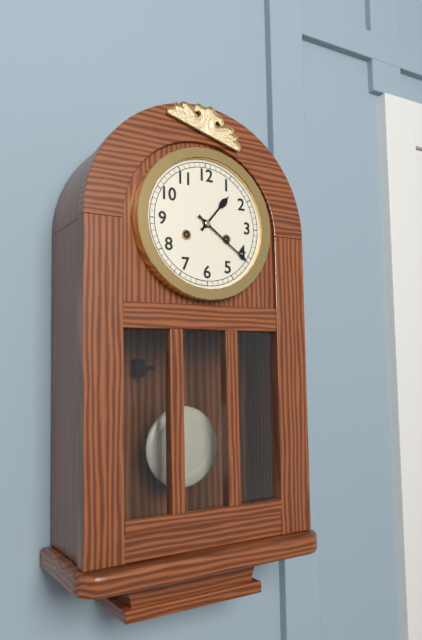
1h21
